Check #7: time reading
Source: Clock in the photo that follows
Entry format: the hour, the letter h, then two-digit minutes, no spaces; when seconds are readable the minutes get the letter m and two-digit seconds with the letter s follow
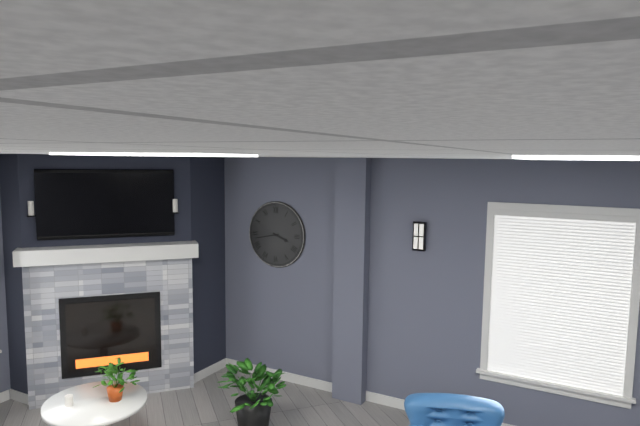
3h43
